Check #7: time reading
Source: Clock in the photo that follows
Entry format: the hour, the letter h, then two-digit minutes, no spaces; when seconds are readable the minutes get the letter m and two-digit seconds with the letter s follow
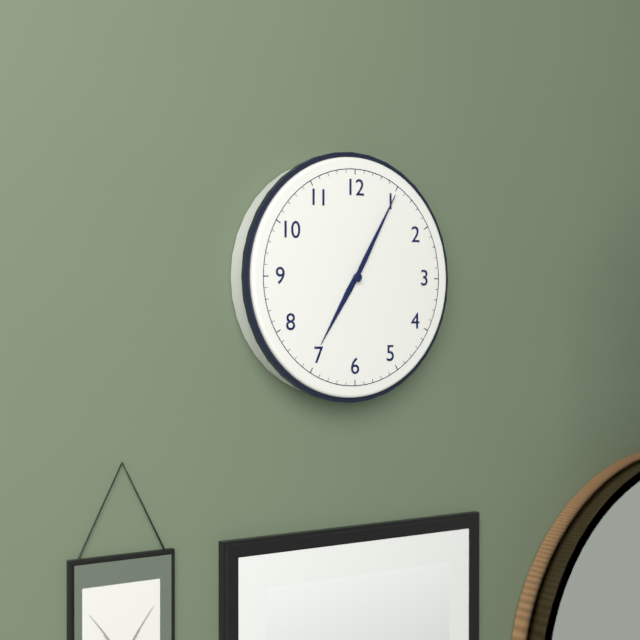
7h05
